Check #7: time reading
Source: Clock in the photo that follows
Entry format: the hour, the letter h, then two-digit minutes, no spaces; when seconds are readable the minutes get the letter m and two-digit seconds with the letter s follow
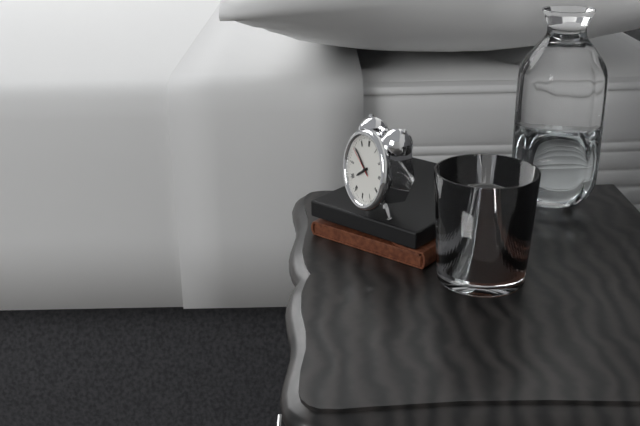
7h51
